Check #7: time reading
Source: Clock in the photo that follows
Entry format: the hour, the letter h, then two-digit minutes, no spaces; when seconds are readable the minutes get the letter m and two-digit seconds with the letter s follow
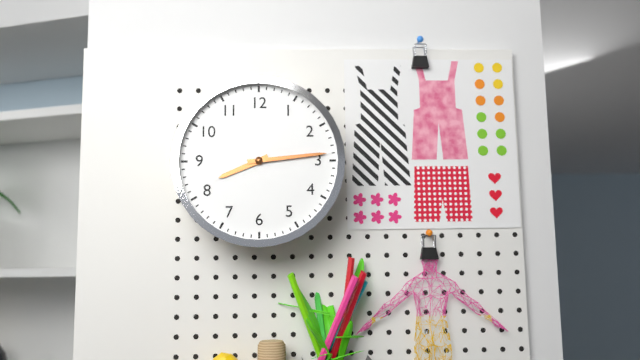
8h14
